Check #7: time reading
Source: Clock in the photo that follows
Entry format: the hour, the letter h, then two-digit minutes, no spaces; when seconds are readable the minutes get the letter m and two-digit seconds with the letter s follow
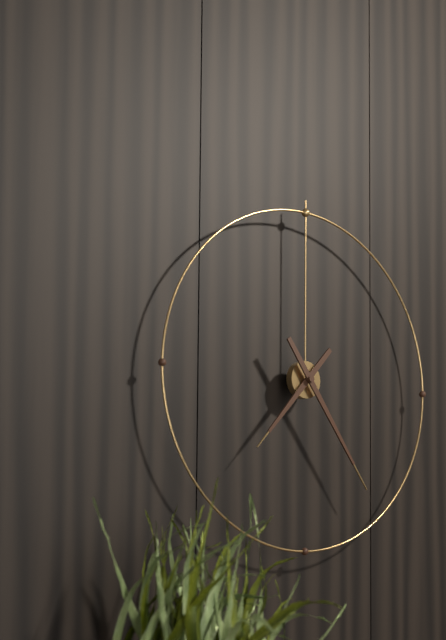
7h24
